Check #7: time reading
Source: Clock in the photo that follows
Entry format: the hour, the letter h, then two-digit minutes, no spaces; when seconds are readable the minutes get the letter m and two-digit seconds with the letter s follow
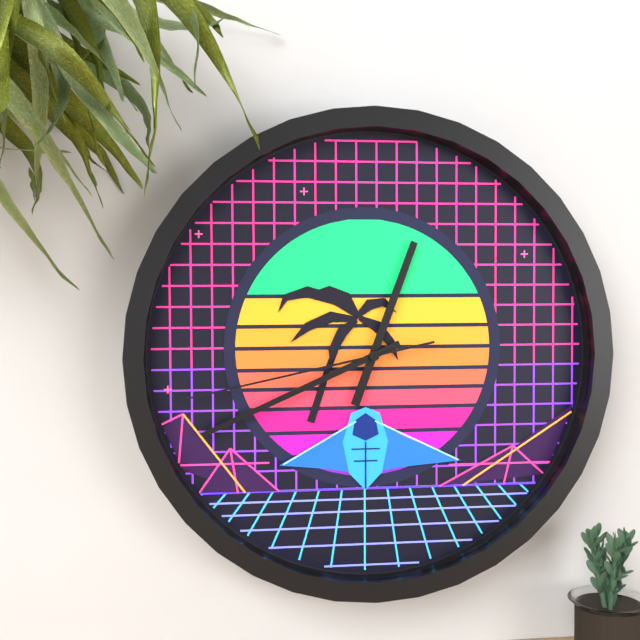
12h41m43s
